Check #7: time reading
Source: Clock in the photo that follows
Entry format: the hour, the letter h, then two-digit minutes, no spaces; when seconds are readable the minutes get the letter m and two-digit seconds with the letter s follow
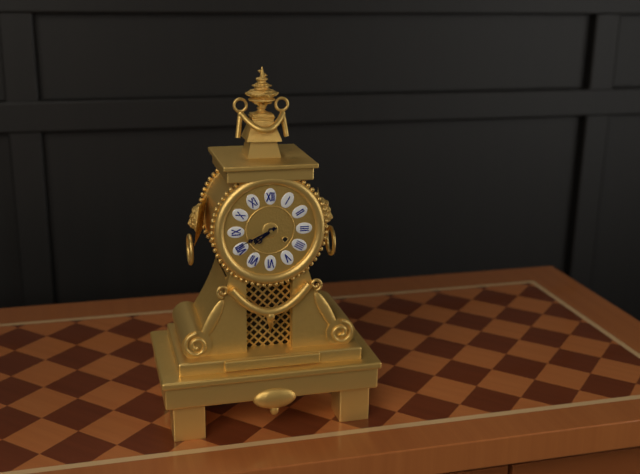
7h41
